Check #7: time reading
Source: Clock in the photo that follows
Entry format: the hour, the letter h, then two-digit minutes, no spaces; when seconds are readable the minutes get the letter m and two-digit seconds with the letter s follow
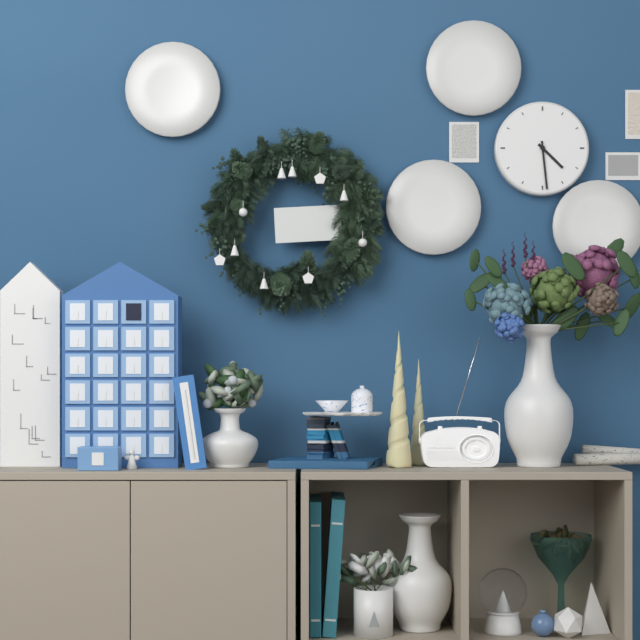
4h29
